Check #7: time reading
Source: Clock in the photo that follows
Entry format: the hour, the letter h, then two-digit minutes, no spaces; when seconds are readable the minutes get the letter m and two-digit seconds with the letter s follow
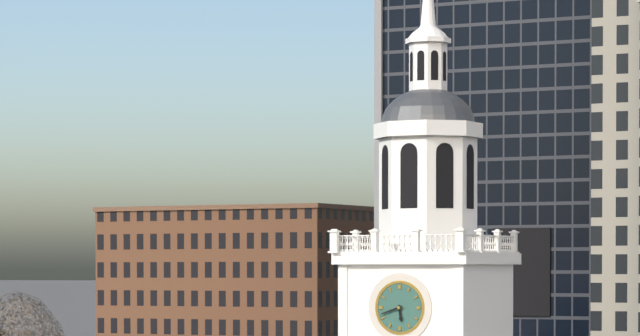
5h42
